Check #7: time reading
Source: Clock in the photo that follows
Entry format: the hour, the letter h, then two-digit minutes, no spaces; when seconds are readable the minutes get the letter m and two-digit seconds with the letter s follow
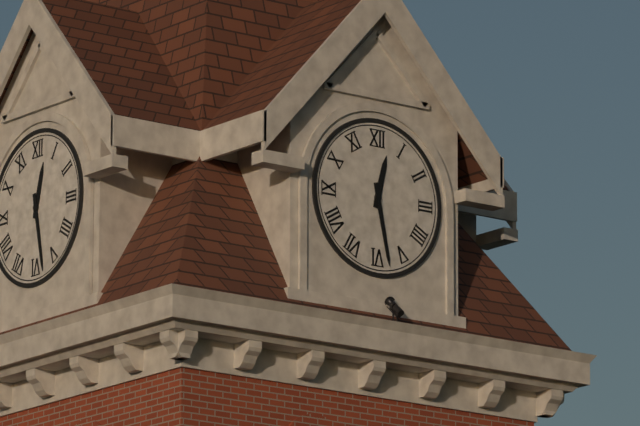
12h28
